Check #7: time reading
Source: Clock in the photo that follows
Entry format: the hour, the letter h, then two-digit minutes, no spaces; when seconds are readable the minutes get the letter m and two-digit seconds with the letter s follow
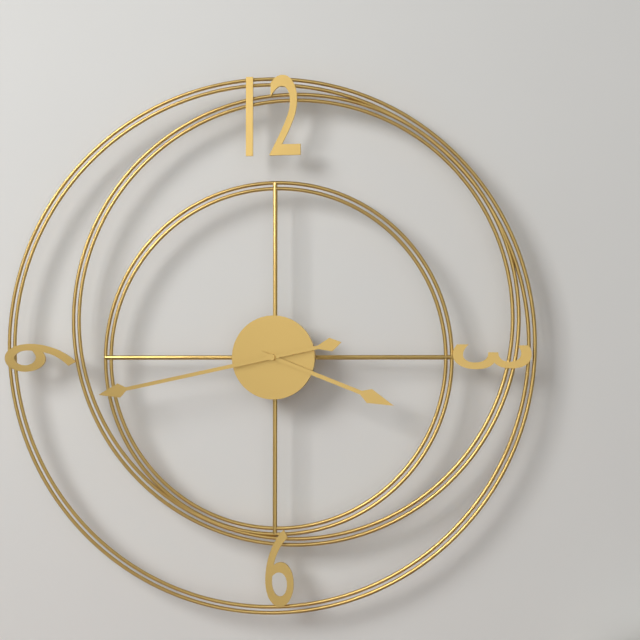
3h43
